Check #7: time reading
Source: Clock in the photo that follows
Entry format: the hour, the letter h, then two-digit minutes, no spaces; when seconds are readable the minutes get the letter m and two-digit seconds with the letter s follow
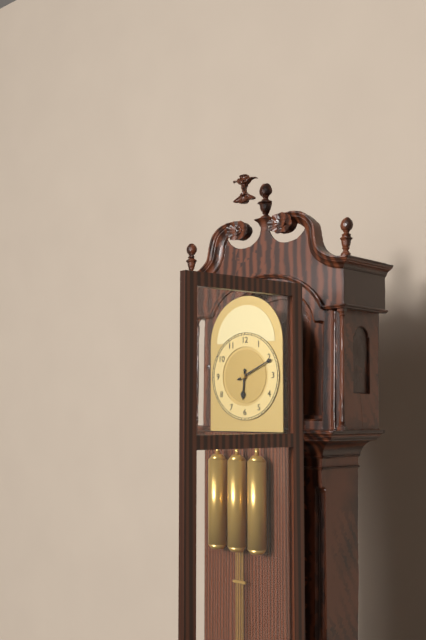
6h11
